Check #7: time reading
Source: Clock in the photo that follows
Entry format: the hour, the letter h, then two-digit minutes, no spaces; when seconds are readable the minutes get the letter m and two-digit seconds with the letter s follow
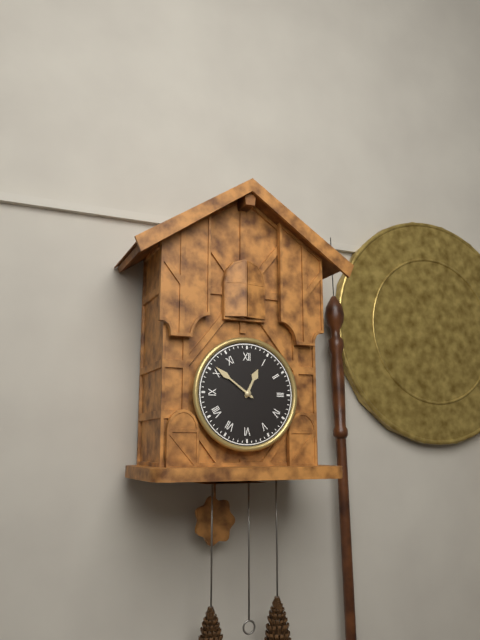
12h51
